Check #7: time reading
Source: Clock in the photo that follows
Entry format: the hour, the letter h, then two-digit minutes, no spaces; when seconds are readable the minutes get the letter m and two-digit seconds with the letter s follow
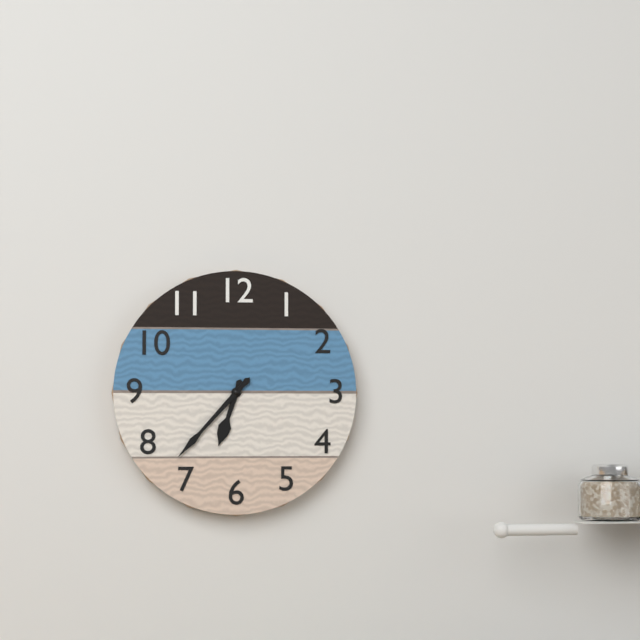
6h37
